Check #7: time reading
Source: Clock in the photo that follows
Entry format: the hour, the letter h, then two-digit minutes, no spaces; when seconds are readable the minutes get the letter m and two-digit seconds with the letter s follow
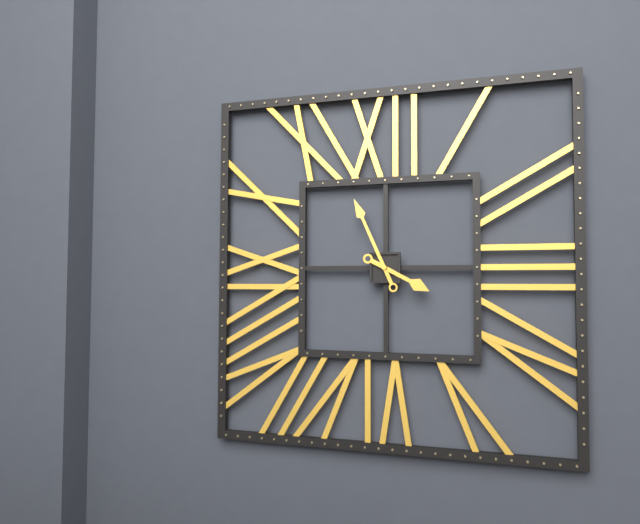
3h56
